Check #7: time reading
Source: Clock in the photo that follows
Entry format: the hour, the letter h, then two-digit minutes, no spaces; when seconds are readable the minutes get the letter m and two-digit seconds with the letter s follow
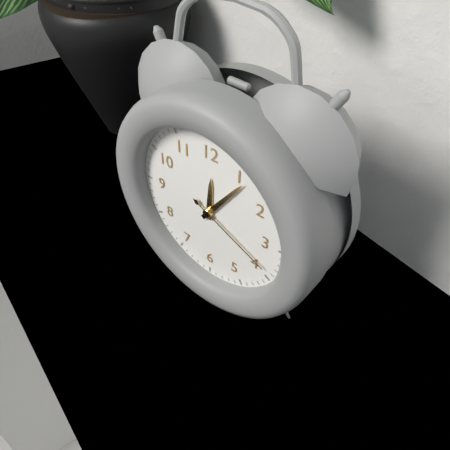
12h06m19s
